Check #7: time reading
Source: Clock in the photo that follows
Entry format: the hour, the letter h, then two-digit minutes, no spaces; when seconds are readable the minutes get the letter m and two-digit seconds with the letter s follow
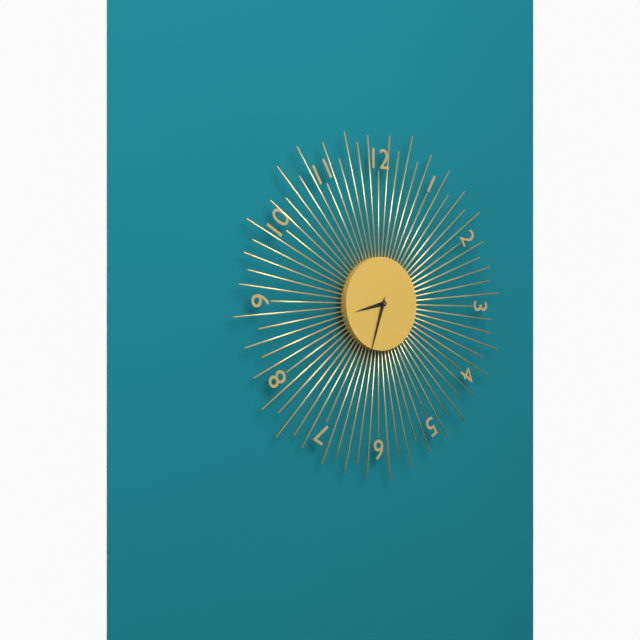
8h33
